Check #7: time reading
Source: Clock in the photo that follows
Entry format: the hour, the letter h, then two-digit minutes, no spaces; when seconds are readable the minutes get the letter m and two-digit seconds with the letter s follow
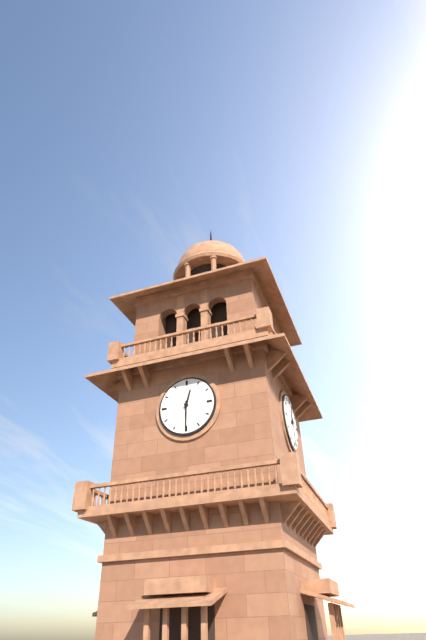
12h30
